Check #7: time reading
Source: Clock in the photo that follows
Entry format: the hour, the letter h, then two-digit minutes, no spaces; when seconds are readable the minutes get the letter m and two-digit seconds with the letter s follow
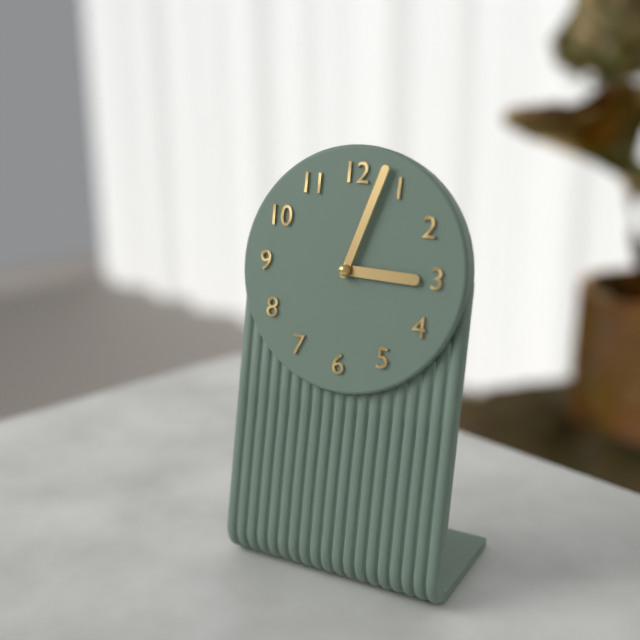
3h03
